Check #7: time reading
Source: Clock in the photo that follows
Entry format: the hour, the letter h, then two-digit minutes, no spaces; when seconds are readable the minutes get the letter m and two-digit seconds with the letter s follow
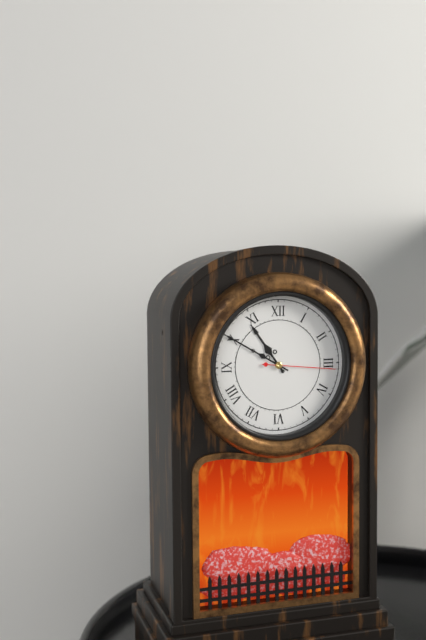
10h50m16s
